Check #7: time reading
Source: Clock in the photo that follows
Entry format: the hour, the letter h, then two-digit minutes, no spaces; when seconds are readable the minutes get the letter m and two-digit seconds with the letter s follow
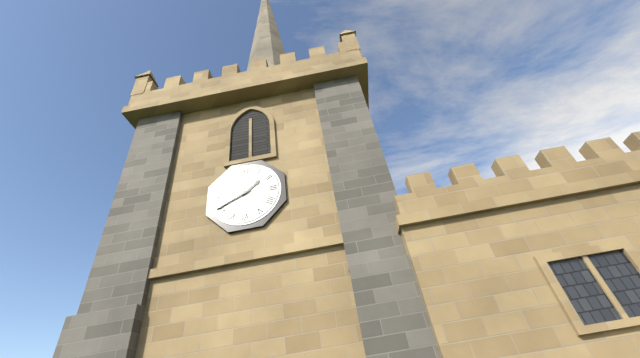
1h41
